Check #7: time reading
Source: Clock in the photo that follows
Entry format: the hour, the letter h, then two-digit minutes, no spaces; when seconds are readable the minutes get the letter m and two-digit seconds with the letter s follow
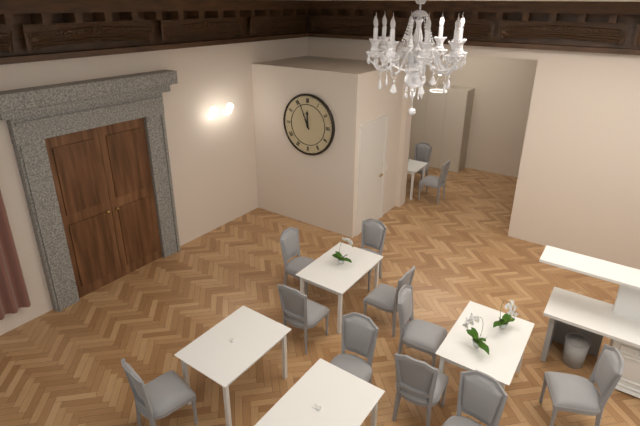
11h56
